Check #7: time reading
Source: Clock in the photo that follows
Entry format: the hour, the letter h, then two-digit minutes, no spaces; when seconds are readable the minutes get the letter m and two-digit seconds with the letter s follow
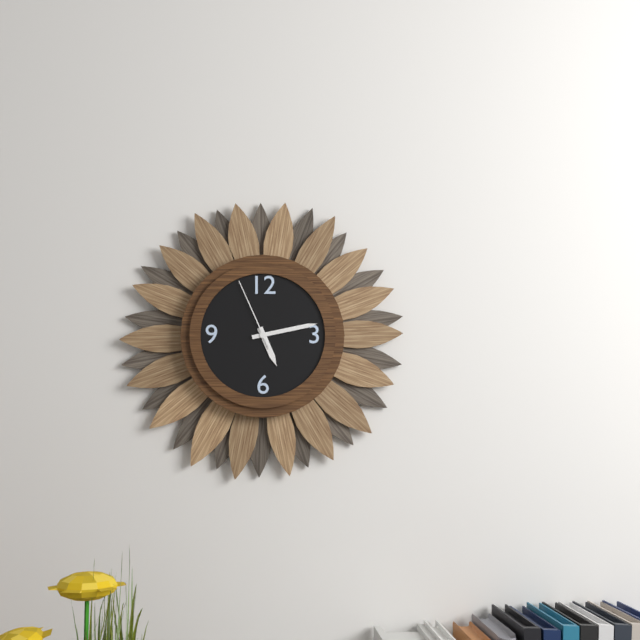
5h13m56s
